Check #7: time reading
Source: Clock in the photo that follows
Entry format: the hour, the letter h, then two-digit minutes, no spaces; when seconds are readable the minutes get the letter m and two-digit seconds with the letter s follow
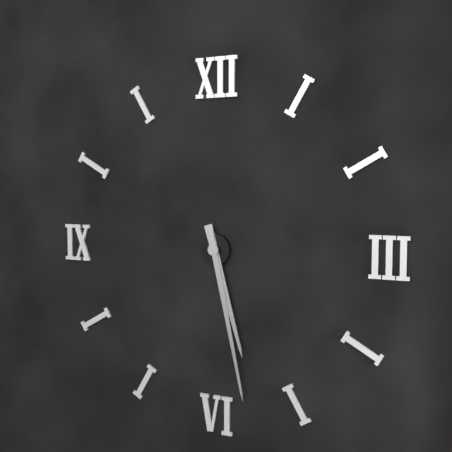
5h28
